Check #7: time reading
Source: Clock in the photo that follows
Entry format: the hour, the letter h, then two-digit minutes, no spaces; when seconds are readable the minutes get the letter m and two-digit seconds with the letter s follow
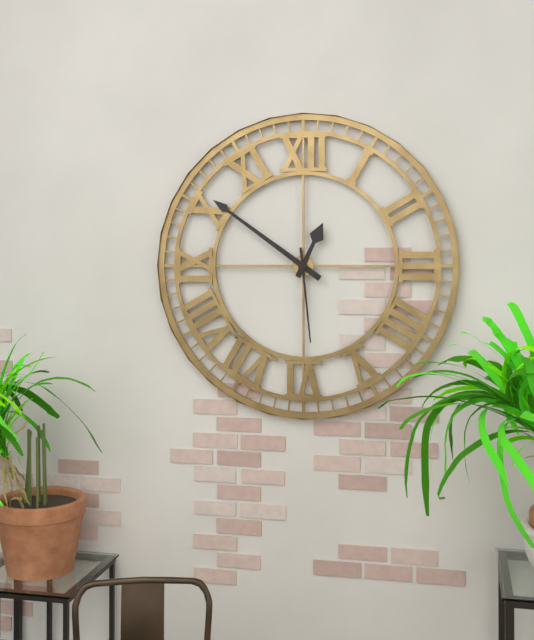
12h51m29s
